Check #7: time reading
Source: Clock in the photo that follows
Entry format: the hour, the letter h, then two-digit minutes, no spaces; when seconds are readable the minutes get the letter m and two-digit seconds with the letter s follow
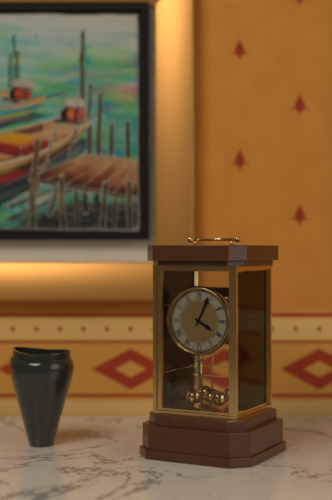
4h04
